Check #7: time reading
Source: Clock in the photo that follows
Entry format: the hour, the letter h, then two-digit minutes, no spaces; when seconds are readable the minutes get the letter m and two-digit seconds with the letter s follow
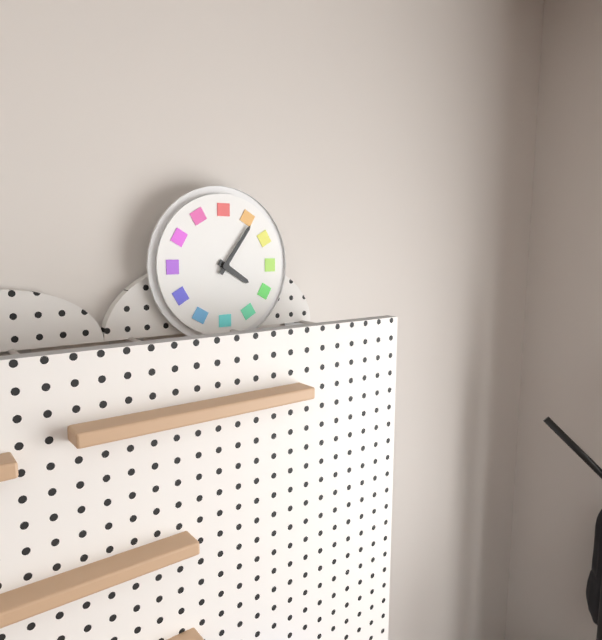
4h06
